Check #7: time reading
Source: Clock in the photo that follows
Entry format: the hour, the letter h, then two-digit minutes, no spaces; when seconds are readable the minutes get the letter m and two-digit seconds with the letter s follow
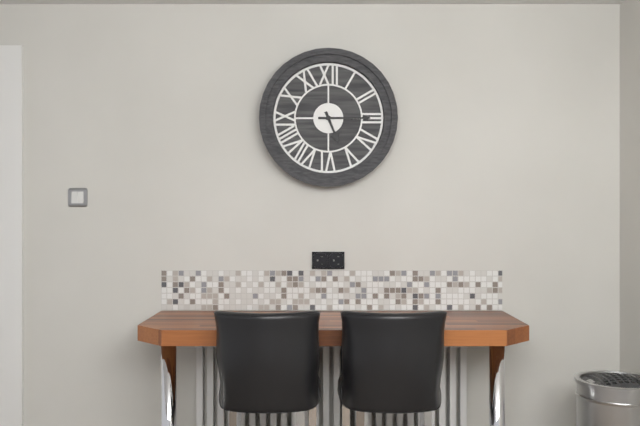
5h15
